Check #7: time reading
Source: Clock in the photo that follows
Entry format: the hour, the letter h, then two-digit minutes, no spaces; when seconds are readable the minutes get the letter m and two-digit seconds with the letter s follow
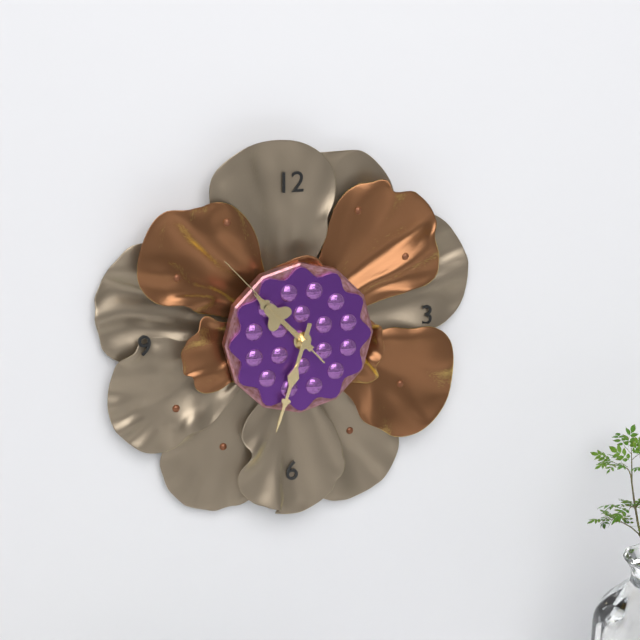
10h33m53s
